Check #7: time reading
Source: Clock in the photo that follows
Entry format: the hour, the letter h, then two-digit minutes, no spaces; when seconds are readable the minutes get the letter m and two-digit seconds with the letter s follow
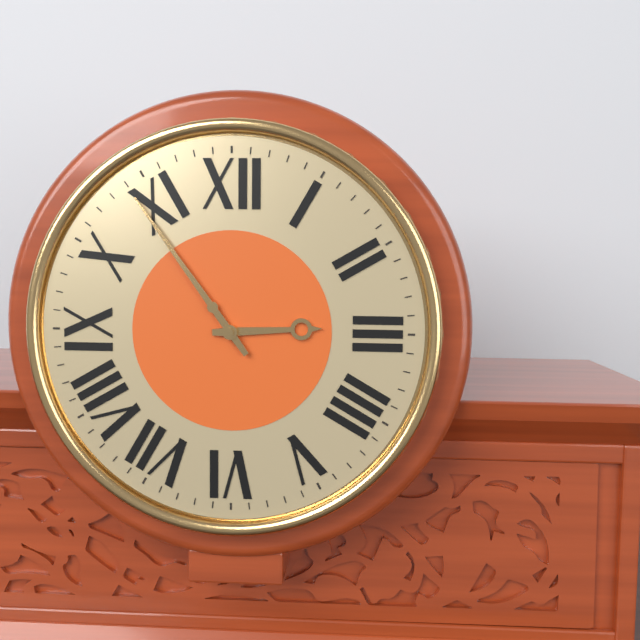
2h54
